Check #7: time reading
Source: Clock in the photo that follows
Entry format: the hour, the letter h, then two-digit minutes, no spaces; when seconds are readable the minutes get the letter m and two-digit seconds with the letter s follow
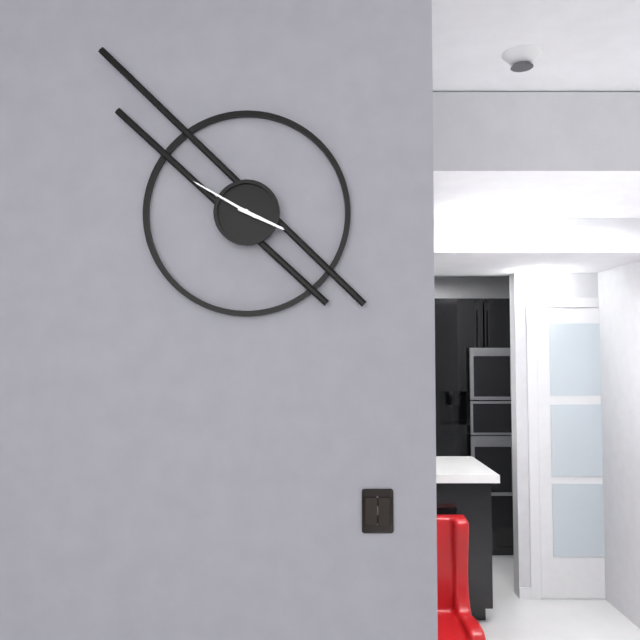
3h50
